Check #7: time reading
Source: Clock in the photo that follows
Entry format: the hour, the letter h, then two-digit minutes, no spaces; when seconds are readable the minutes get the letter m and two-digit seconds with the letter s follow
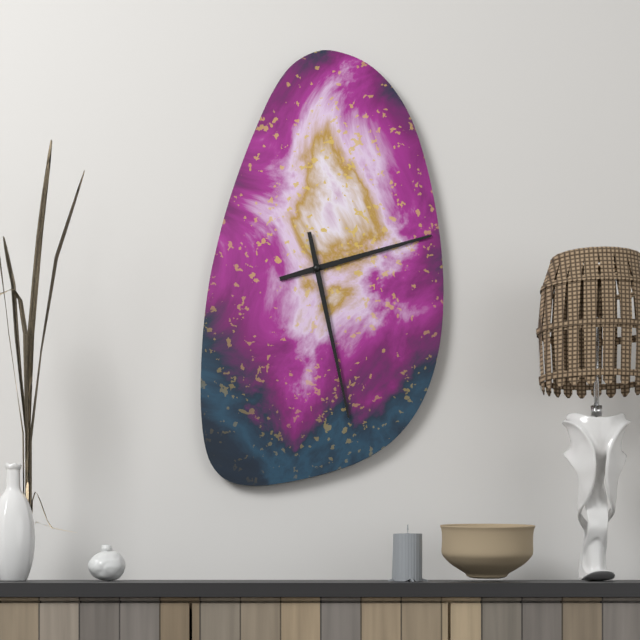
2h28
